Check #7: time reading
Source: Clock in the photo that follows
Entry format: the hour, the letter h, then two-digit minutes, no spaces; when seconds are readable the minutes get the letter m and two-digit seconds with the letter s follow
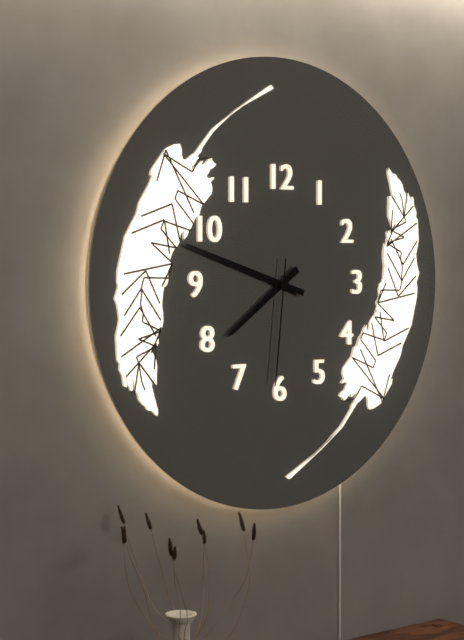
7h48m31s
